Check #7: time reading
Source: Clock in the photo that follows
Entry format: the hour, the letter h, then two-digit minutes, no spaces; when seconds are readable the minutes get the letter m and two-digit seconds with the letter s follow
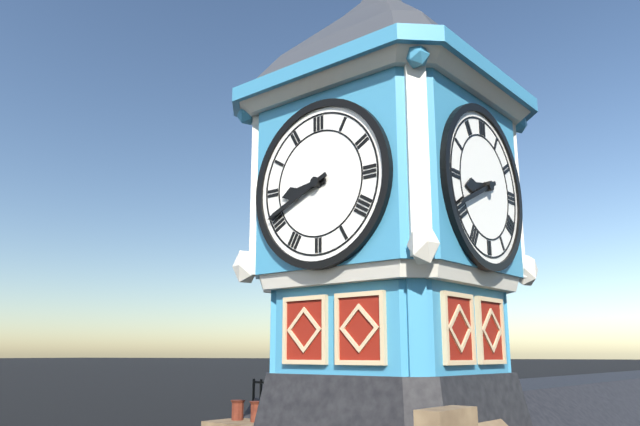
8h41
